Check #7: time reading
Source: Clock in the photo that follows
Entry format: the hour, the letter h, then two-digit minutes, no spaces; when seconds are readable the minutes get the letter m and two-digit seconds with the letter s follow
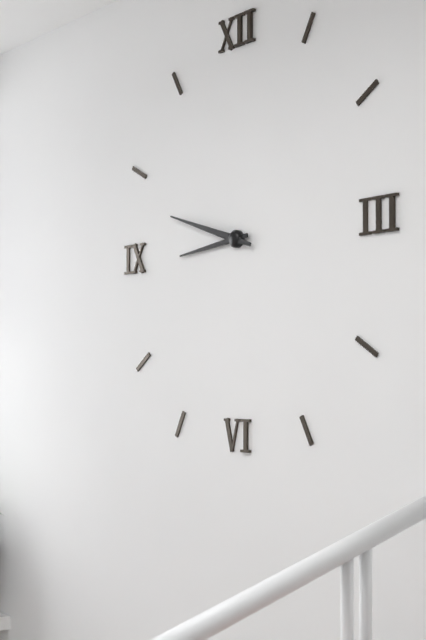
8h48
